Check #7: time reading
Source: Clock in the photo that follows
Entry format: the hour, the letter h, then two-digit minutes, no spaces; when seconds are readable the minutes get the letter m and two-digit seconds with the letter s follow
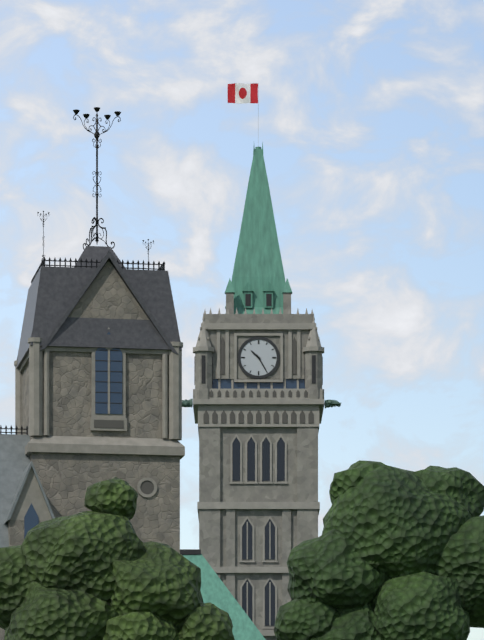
10h25
